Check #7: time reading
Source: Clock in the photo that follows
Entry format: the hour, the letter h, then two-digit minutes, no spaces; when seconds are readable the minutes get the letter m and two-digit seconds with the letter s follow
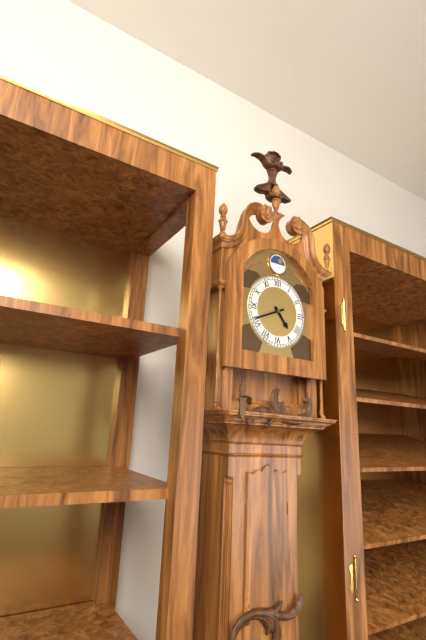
4h41
